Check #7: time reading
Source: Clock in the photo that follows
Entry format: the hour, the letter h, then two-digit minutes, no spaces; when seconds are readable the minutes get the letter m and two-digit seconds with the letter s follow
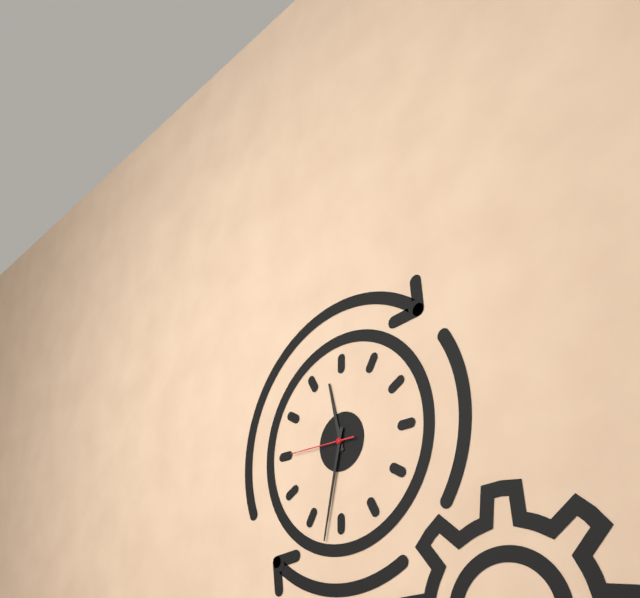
11h32m45s
